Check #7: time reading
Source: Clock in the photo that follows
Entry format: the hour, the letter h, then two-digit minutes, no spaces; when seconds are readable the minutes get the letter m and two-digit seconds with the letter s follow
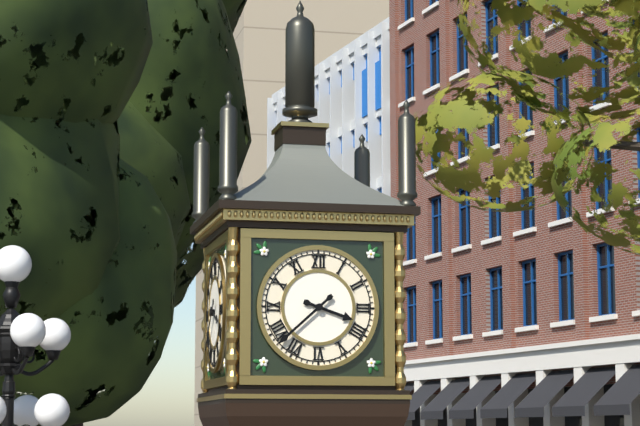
3h38
